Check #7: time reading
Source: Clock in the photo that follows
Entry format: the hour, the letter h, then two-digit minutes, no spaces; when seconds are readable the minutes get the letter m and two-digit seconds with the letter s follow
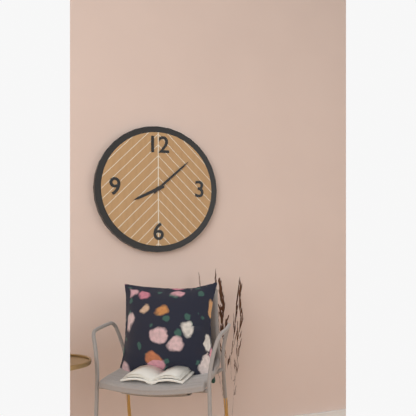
8h08
